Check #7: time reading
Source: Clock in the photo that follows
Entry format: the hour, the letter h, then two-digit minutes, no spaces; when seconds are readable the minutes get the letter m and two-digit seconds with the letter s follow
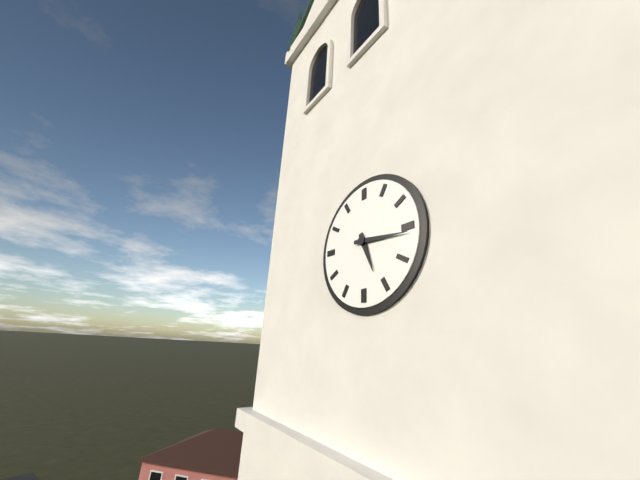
5h16
